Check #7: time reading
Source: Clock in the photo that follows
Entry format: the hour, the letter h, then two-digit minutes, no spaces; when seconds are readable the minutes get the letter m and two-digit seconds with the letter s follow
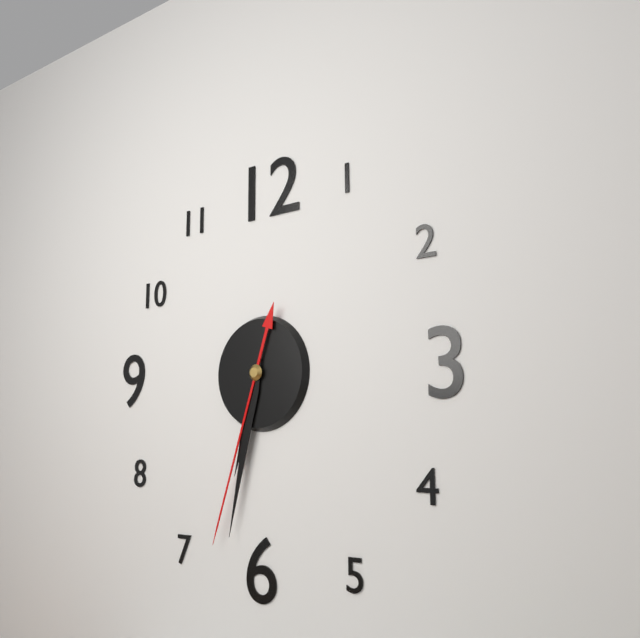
6h32m33s
